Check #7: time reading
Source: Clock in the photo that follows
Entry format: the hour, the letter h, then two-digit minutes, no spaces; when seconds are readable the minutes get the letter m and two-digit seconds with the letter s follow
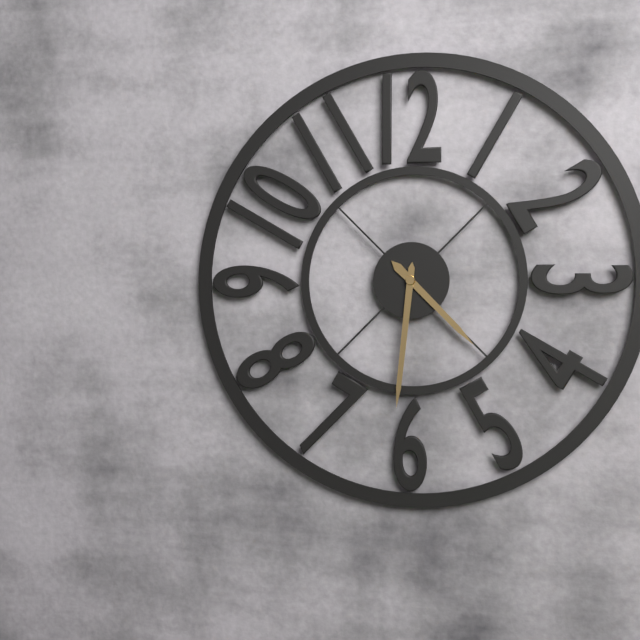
4h31
